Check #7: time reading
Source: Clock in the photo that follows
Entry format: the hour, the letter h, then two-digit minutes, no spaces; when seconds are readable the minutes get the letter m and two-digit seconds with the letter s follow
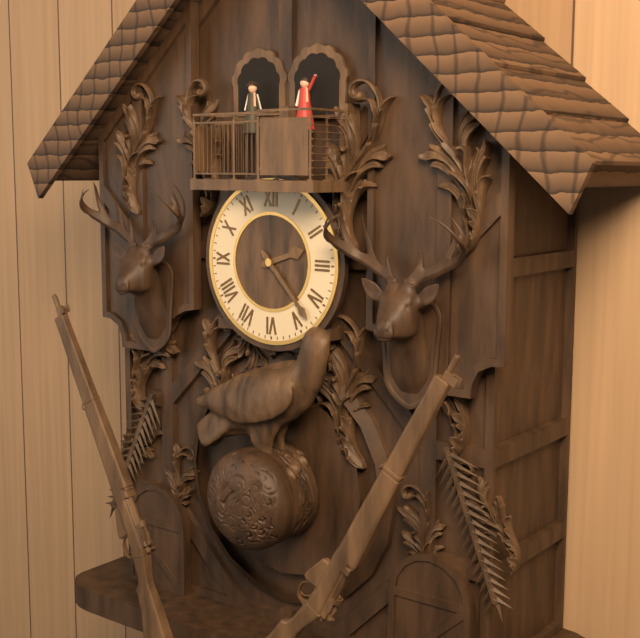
2h23
